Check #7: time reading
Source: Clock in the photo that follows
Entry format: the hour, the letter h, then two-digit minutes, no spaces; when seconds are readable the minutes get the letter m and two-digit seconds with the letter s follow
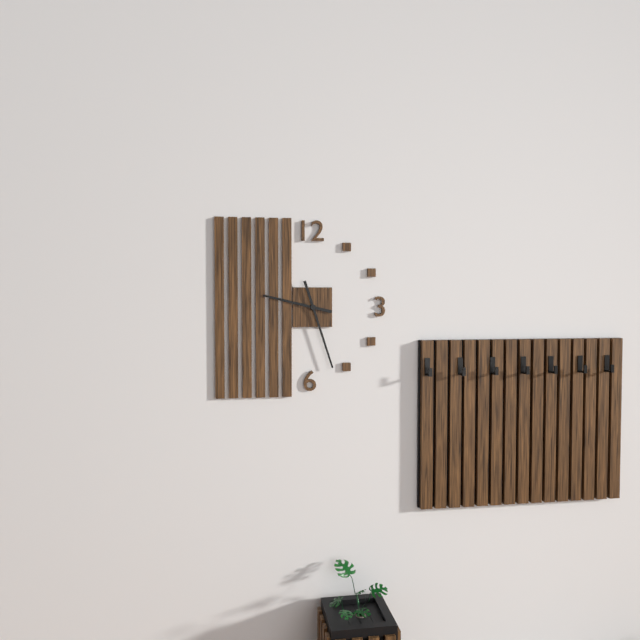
9h27
